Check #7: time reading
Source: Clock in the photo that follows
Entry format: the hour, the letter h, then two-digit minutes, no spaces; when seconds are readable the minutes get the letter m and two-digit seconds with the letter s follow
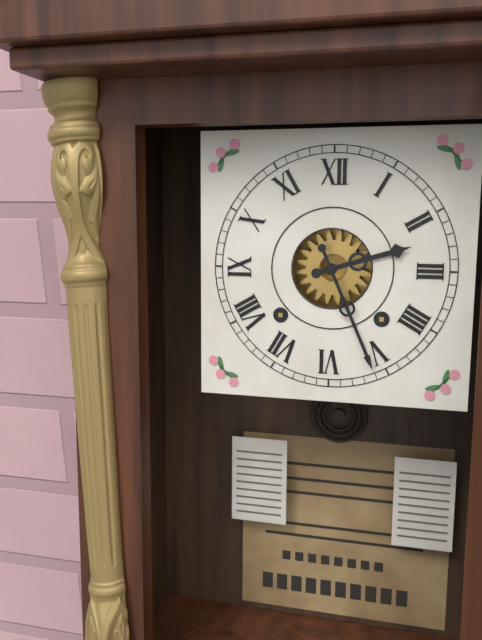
2h26
